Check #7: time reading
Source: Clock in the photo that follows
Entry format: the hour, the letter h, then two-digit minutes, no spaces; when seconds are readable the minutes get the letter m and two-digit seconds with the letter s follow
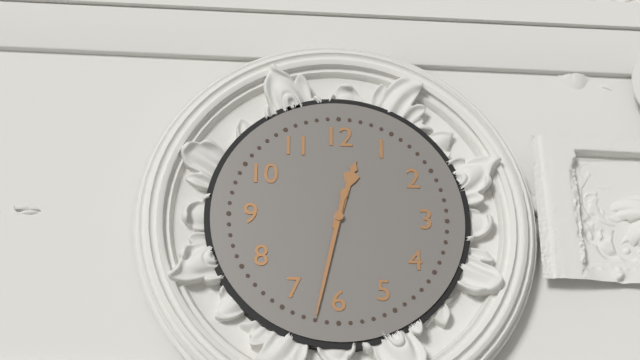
12h32
